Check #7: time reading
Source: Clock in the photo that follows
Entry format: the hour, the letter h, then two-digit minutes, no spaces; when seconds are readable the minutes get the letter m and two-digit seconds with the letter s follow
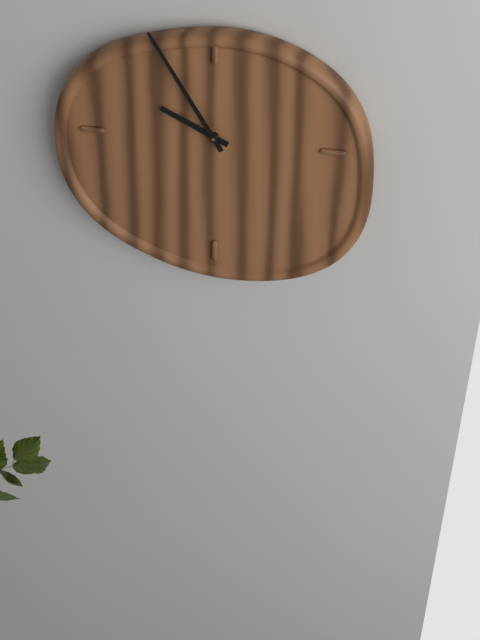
9h55
